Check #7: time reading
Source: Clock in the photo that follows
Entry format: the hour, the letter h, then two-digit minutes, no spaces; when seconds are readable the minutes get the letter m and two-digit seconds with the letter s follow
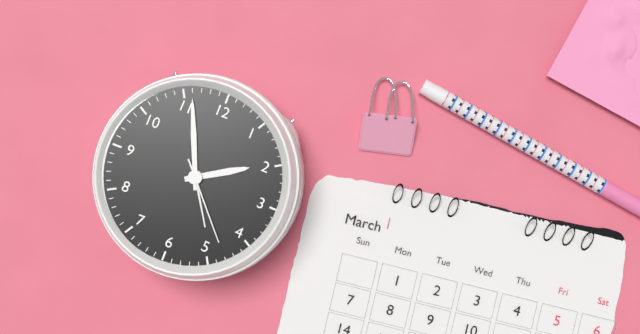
1h56m23s
